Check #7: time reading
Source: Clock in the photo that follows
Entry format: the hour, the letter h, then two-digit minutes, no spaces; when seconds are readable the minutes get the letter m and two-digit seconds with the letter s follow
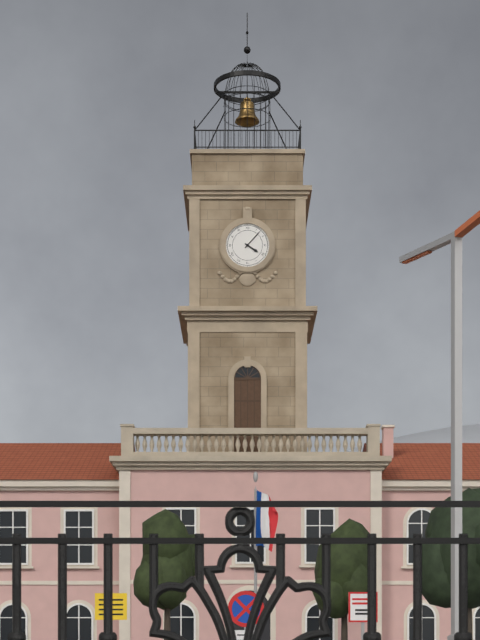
4h07
